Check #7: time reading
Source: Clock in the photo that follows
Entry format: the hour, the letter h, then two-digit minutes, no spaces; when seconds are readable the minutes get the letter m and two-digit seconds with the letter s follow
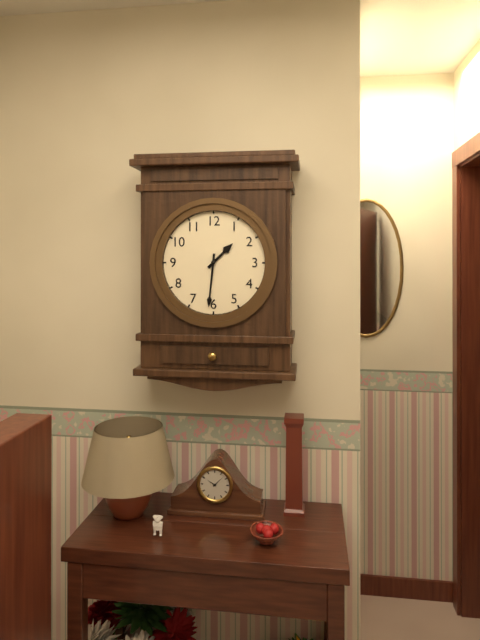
1h31
